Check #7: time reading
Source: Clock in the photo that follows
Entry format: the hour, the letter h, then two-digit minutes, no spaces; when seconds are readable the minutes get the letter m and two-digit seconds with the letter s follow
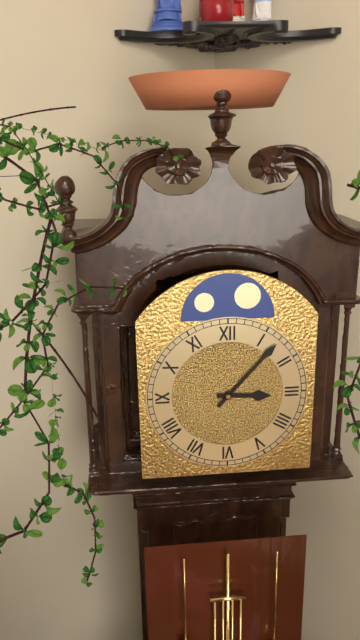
3h07
